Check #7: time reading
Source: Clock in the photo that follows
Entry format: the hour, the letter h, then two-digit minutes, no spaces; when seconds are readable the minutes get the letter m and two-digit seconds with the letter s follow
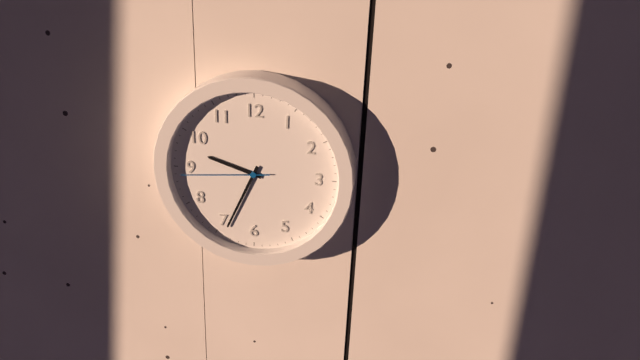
9h34m44s
